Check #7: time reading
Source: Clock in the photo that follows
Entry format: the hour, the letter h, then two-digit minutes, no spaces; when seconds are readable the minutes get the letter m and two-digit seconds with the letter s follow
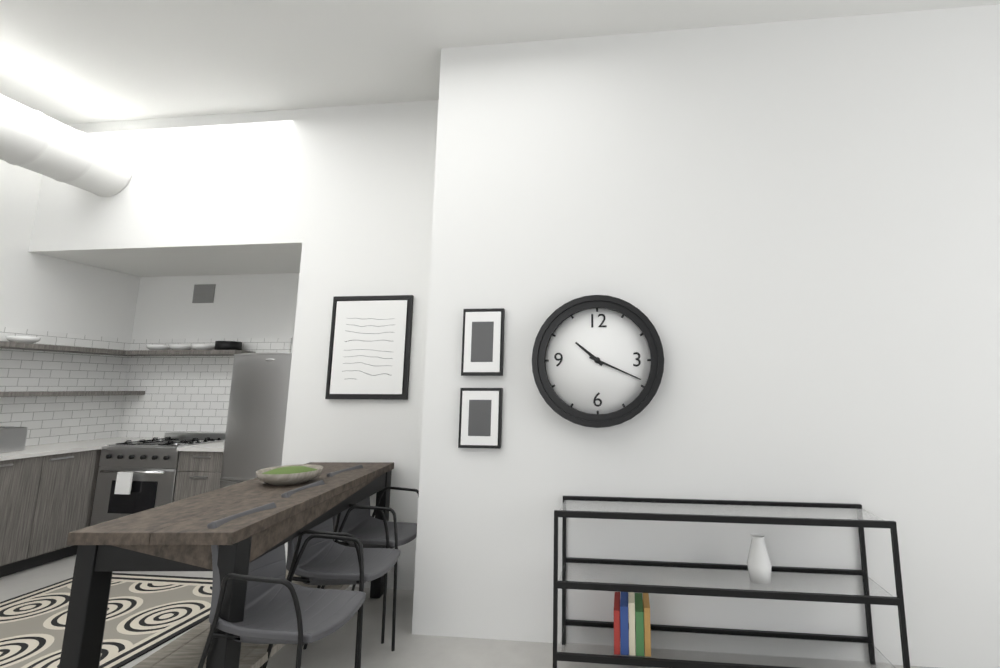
10h19
